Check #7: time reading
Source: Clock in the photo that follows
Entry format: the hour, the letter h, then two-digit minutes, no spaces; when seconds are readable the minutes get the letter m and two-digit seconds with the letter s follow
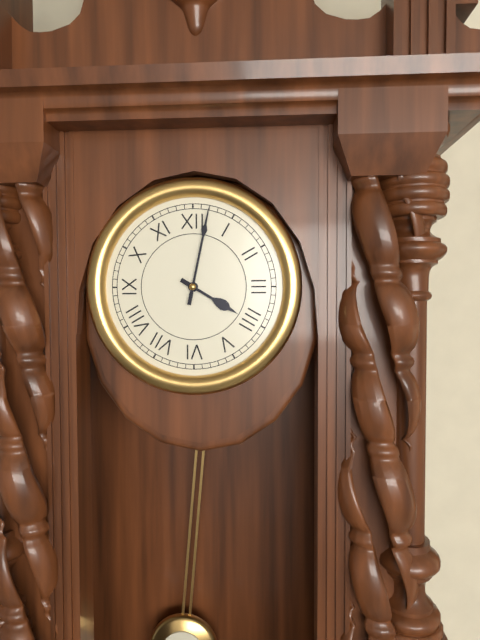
4h02
